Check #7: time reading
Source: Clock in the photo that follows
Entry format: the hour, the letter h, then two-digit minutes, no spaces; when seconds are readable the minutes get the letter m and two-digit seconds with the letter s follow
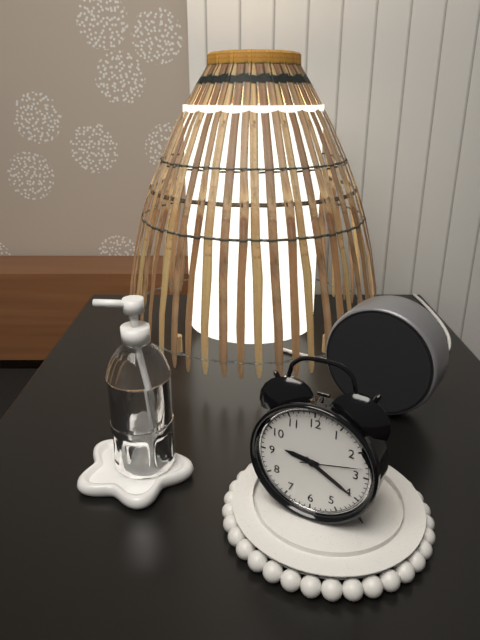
9h20m13s
